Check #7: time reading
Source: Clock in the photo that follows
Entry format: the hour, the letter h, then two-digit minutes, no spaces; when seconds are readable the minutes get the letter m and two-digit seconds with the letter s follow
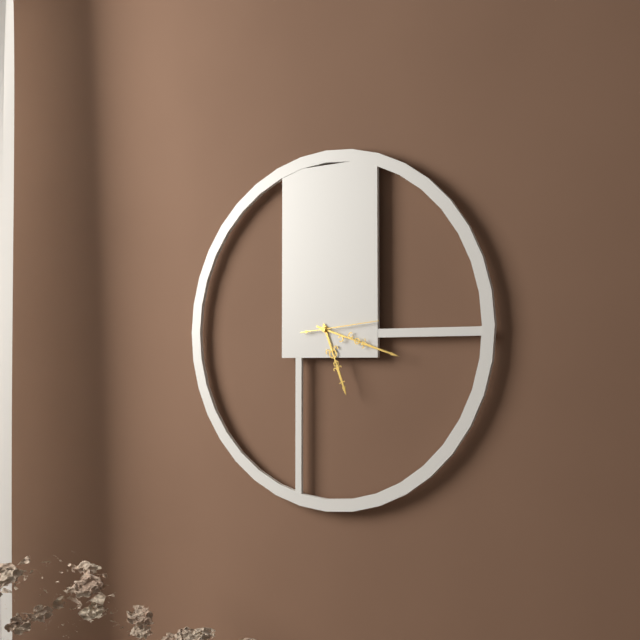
5h18m14s
